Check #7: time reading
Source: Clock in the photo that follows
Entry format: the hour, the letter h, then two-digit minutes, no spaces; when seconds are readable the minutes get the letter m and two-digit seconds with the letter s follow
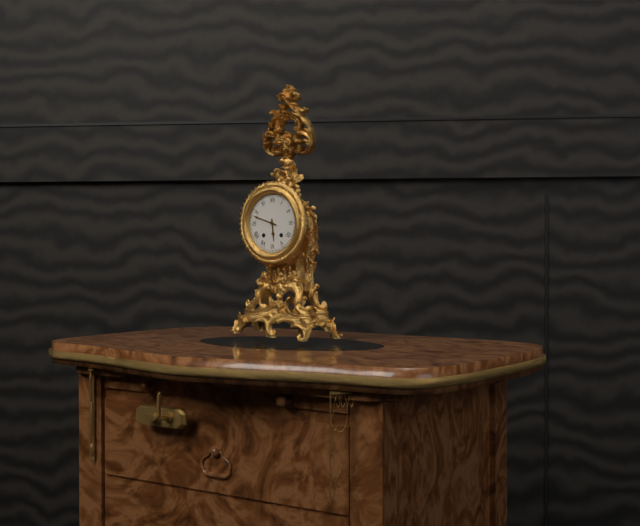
5h48
